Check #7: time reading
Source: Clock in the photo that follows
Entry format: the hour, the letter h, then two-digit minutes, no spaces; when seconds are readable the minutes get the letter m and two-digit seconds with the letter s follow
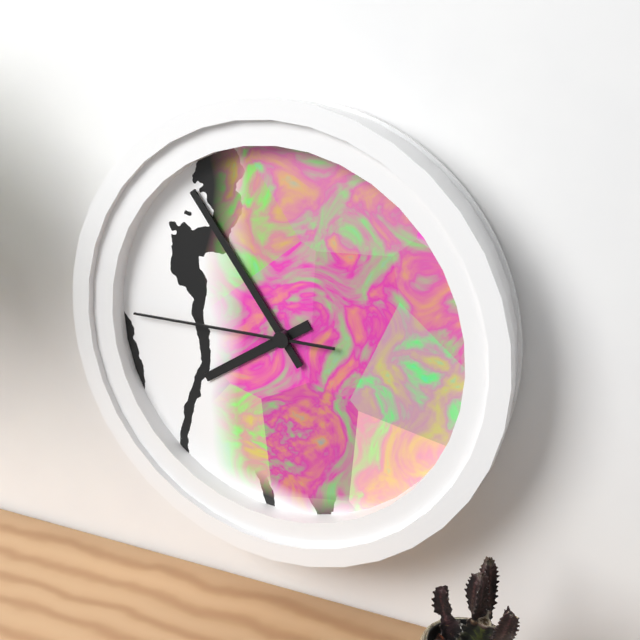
7h54m45s
